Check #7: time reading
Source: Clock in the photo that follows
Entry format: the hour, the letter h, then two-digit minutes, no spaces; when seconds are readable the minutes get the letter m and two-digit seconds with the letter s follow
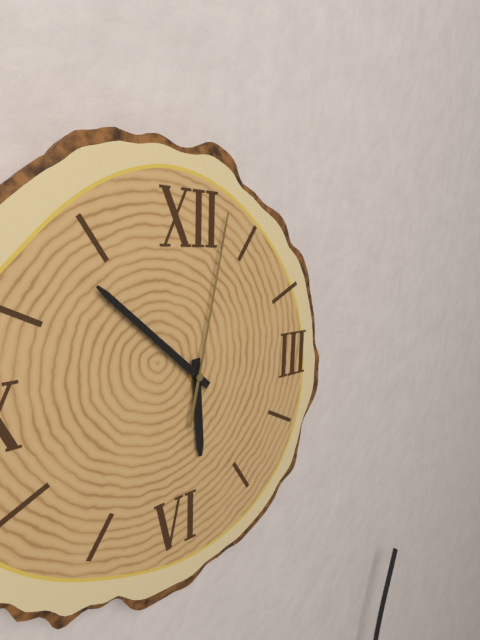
5h52m02s
